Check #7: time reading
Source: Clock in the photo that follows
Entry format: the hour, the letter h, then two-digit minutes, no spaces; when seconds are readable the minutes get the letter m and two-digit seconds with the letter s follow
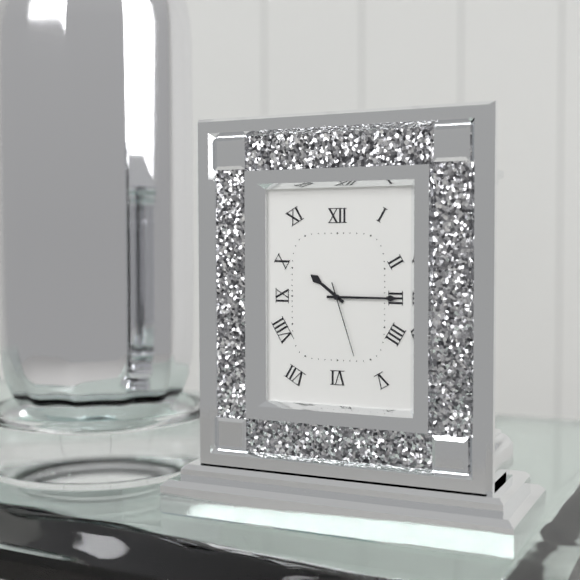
10h15m27s
